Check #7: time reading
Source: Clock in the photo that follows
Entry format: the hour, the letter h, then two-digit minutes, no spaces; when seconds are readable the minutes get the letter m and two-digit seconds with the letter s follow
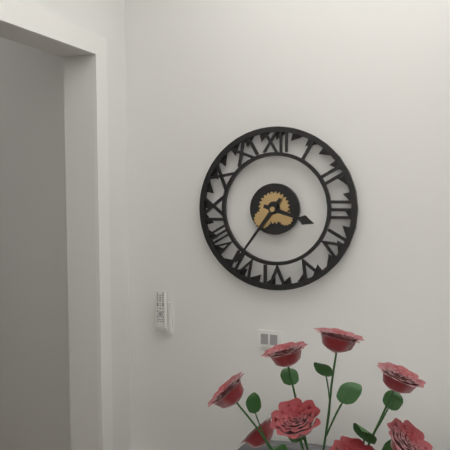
3h36
